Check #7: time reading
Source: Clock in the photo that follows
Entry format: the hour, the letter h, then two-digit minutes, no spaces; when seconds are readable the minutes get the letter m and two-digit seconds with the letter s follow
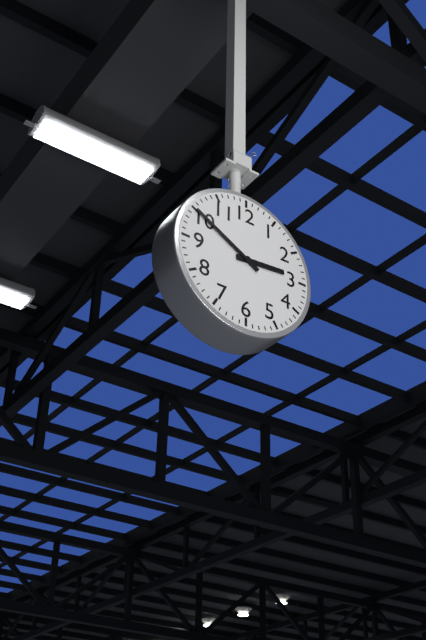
2h50
